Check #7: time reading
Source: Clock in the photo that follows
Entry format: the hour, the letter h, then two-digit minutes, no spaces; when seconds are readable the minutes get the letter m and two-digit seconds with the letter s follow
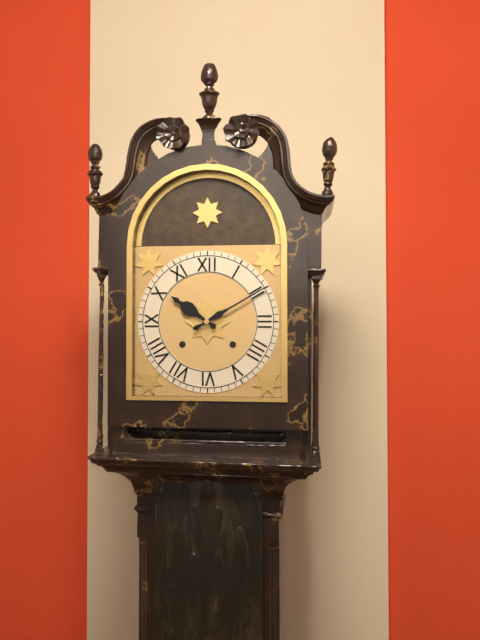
10h10
